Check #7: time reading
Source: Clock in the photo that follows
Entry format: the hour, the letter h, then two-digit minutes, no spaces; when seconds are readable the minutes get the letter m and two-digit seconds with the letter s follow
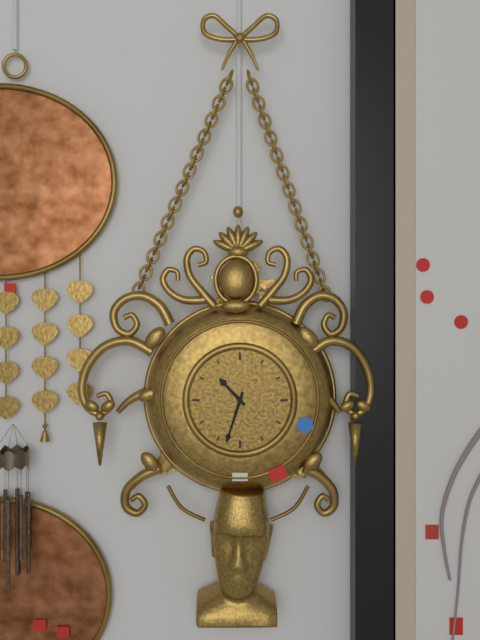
10h33
